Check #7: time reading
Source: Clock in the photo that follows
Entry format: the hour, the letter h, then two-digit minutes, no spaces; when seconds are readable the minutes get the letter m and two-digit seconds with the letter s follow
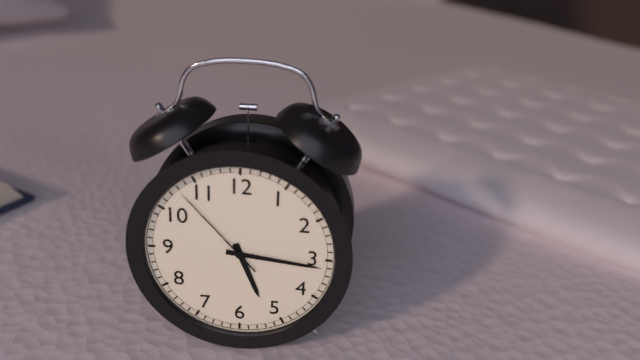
5h16m53s
